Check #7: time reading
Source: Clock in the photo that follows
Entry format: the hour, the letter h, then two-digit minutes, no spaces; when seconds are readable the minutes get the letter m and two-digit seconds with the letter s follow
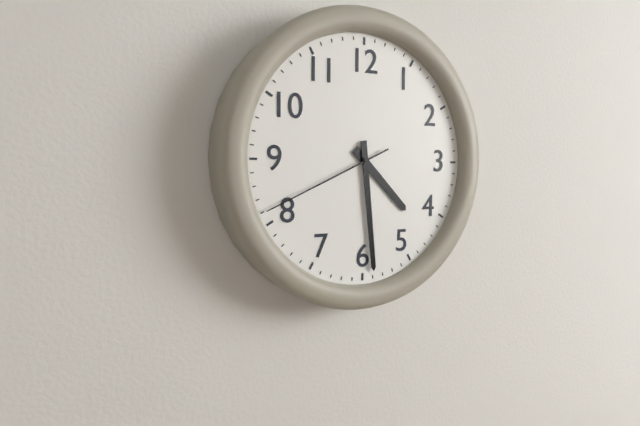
4h29m41s
